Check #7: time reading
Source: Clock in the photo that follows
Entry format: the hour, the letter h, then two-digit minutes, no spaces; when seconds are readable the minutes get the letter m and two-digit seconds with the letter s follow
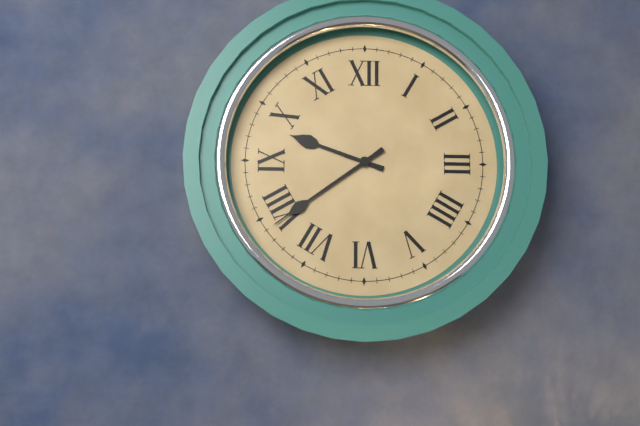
9h39
